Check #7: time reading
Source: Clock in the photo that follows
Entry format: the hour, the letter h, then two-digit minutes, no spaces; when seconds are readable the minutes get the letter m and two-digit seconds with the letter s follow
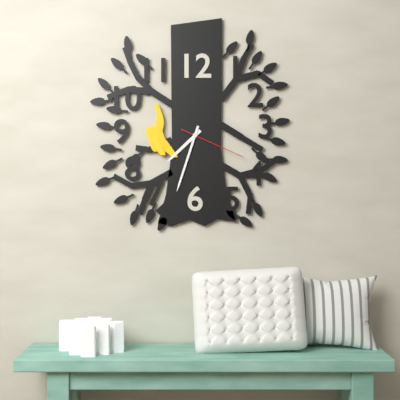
7h33m19s
